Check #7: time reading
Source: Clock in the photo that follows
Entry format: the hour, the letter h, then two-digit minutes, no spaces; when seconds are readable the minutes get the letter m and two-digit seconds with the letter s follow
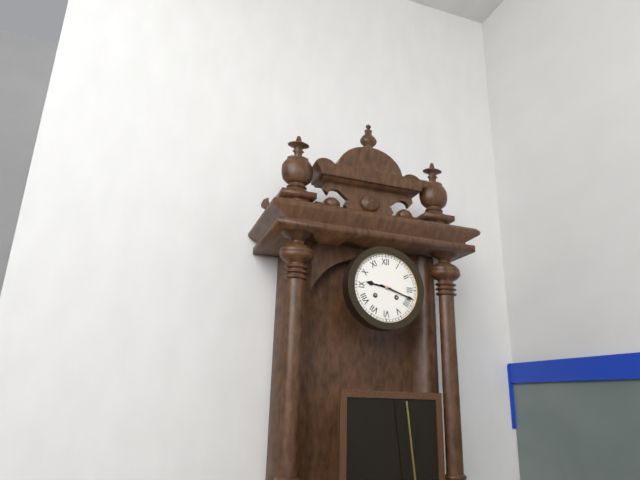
9h18
